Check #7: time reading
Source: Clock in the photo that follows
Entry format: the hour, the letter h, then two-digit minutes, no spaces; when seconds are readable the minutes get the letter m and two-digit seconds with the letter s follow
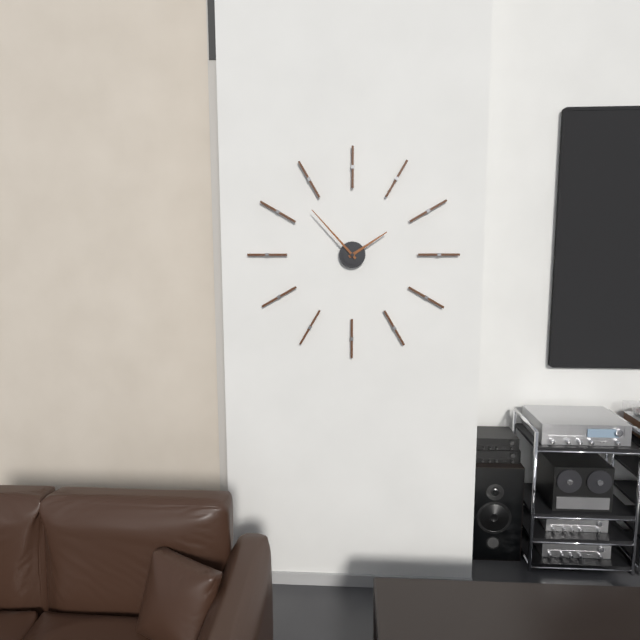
1h53
